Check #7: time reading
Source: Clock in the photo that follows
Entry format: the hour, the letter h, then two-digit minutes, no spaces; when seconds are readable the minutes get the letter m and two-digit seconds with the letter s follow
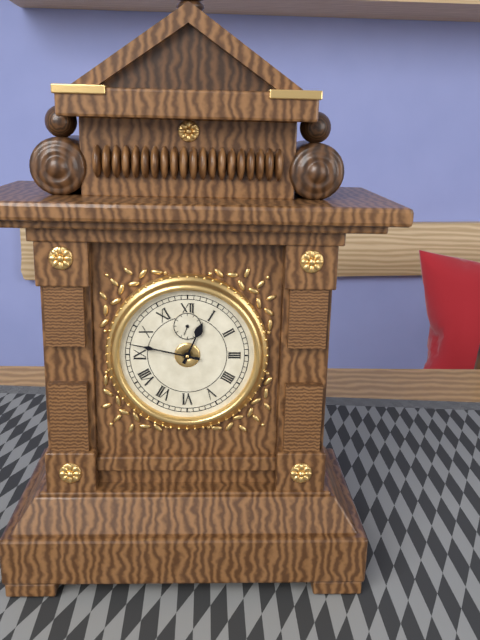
12h47
